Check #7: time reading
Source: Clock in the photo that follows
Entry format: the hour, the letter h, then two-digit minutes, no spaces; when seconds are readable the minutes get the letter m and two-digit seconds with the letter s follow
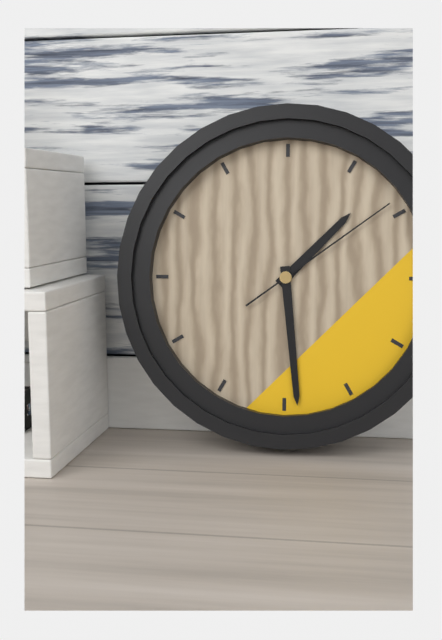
1h29m09s
